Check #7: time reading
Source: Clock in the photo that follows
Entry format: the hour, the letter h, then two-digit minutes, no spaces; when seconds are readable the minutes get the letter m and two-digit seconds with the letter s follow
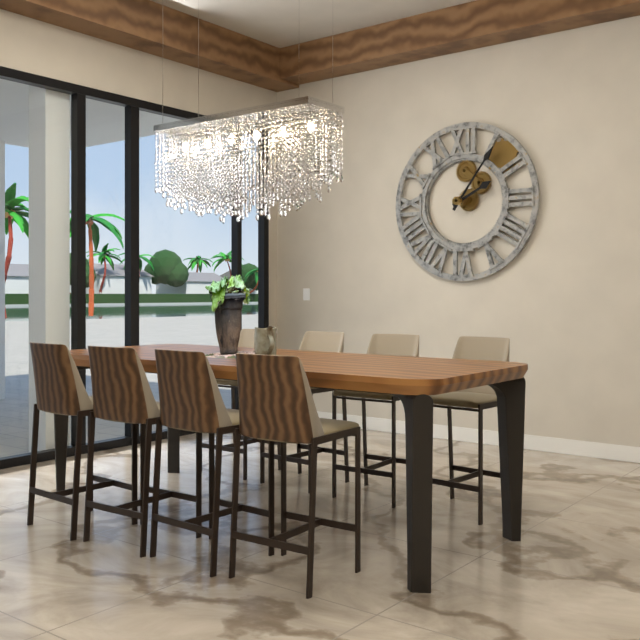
2h06
